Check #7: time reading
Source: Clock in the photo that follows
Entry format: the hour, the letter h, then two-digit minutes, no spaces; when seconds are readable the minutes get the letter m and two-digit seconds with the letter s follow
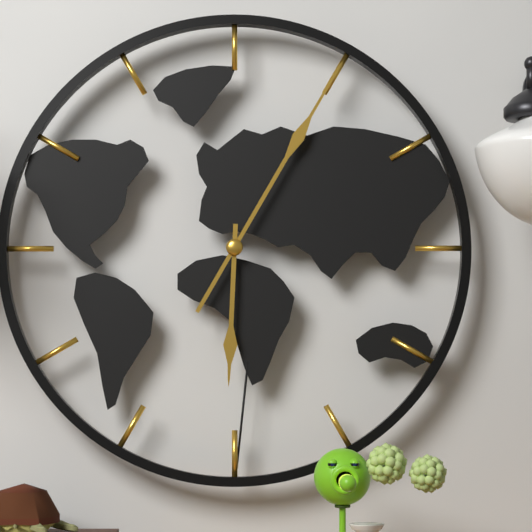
6h05
